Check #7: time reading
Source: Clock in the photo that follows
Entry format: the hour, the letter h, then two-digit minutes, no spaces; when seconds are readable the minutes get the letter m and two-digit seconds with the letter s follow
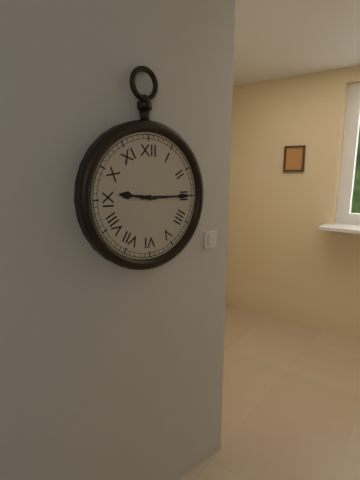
9h15
